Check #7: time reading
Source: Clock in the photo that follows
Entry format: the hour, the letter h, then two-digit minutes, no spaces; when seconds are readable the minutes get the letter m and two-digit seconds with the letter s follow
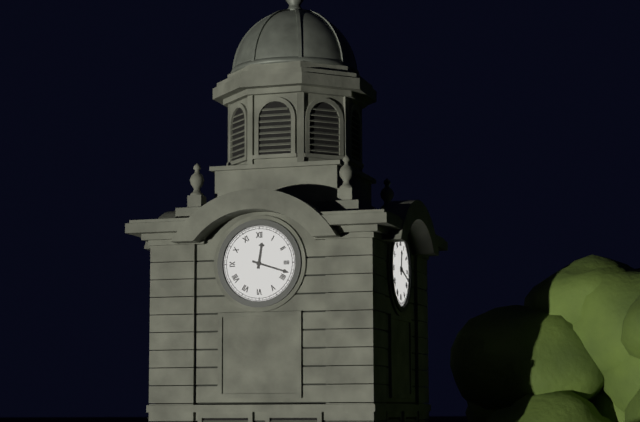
12h18
